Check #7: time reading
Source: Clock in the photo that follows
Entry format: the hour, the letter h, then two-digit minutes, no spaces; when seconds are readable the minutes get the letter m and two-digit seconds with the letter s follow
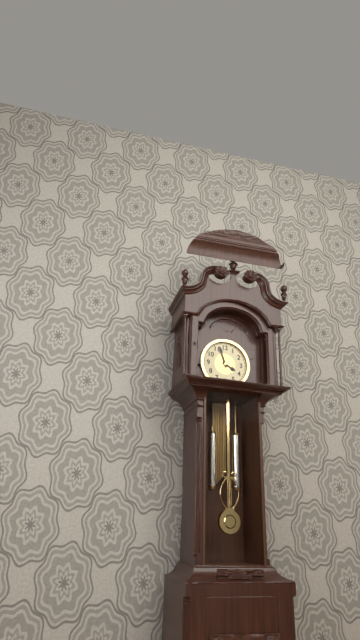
3h57
